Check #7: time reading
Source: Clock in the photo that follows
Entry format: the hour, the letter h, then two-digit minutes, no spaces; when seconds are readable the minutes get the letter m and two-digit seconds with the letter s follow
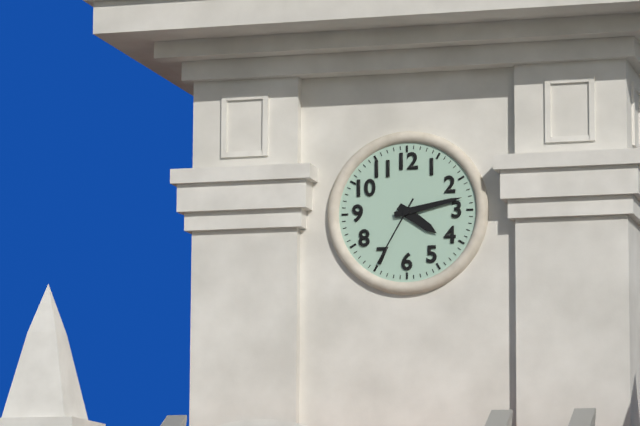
4h13m35s
